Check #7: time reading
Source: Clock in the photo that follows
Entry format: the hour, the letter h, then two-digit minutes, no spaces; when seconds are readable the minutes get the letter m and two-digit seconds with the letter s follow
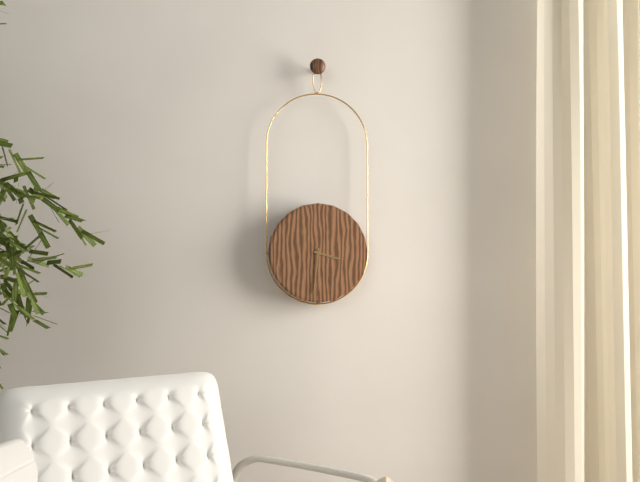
3h31
